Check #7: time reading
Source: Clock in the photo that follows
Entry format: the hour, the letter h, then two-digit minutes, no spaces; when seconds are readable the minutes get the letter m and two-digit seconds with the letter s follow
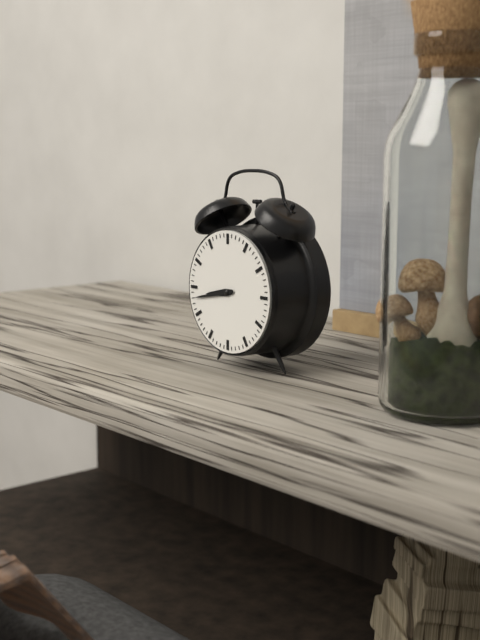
8h43
